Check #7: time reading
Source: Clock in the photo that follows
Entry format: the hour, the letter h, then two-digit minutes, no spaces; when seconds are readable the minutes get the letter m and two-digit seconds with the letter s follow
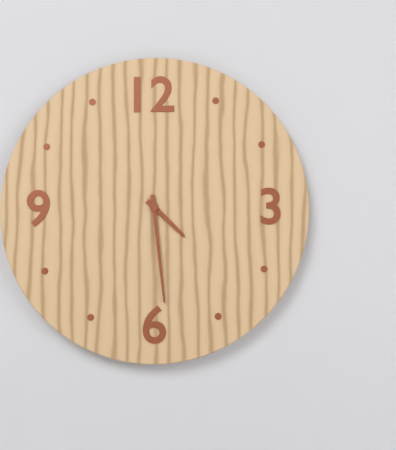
4h29
